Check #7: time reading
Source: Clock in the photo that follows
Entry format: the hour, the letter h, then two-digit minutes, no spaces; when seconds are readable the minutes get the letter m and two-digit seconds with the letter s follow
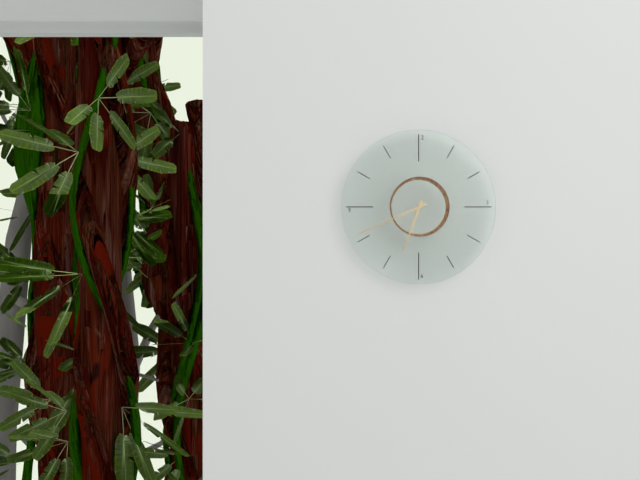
6h41
